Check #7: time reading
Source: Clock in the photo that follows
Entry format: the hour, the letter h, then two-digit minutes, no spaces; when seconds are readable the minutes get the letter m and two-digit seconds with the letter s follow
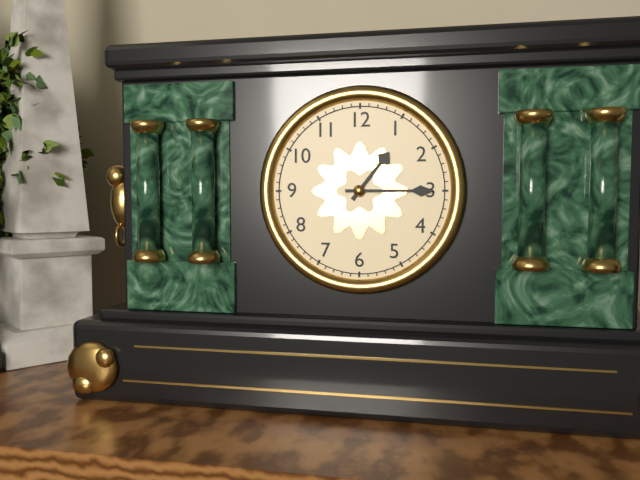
1h15
